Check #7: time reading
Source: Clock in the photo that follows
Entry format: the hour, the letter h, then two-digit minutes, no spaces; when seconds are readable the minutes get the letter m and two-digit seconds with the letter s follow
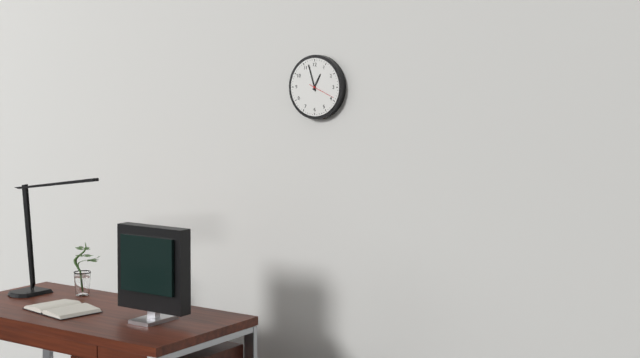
12h57
